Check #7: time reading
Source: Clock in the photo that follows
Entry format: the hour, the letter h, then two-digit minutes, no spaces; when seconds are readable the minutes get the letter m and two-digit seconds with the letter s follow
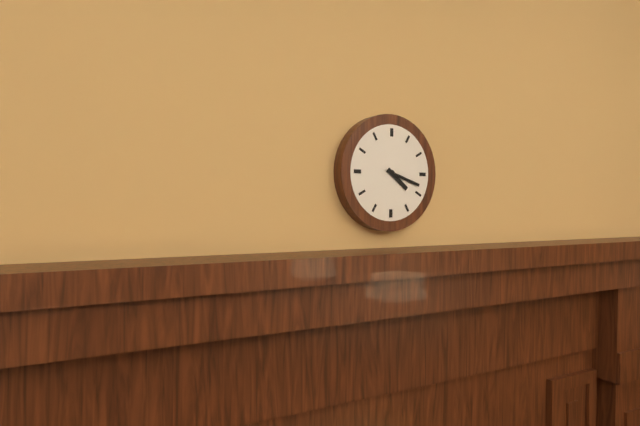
4h18
